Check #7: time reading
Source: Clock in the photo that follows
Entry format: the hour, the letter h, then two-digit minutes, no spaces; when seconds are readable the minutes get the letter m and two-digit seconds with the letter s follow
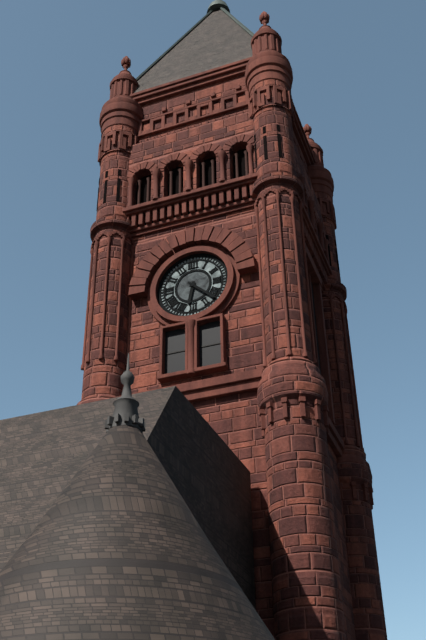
6h22
